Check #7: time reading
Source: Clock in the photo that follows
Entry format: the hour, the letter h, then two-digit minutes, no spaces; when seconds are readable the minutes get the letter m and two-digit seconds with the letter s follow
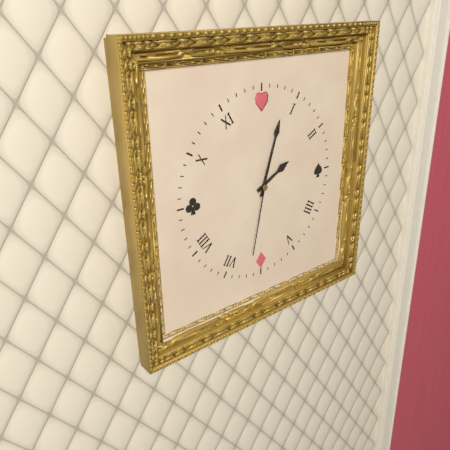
2h03m32s
